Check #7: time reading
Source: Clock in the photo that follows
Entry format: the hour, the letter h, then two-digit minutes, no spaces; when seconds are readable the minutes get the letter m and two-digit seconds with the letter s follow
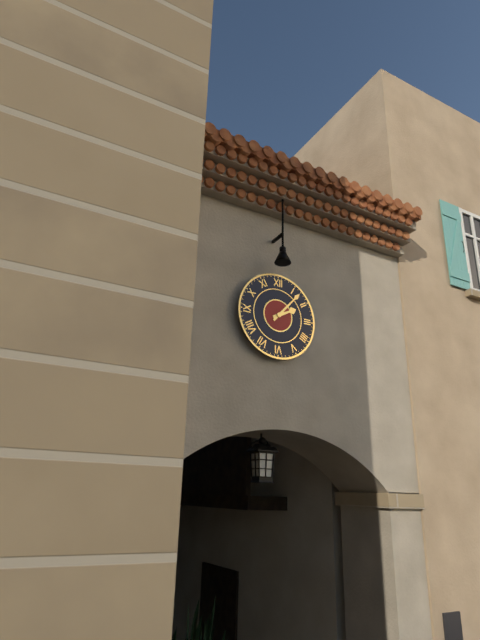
2h07
